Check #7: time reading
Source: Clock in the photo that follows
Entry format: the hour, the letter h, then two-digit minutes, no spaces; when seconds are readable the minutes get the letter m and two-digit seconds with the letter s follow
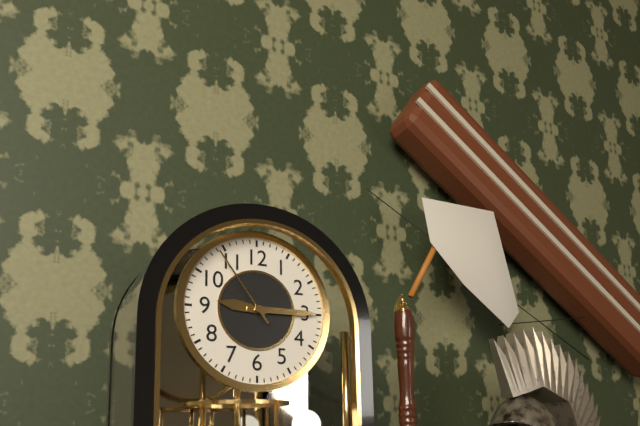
9h15m54s
